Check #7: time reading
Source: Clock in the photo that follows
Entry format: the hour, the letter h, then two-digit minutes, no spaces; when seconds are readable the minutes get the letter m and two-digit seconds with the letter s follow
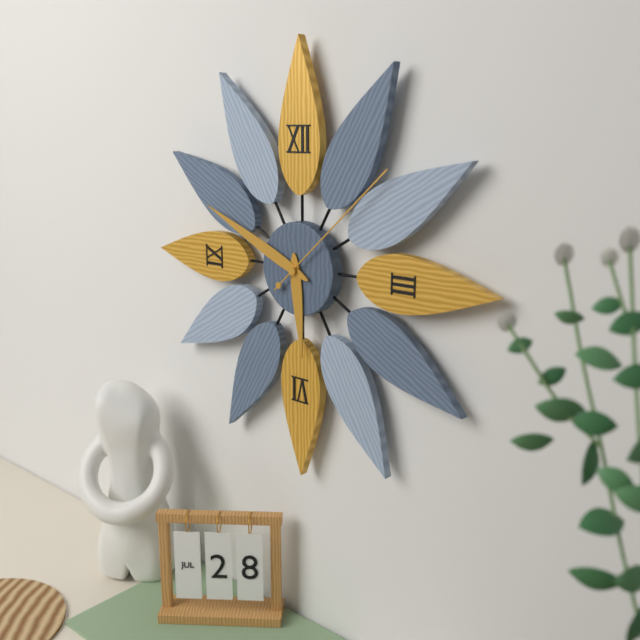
5h49m08s
